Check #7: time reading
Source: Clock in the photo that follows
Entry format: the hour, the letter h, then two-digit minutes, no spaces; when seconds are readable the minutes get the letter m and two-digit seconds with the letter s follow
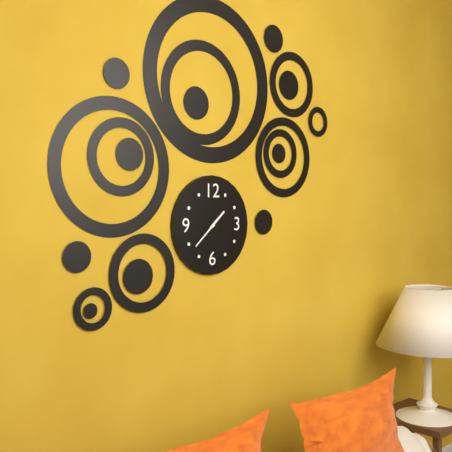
1h38
